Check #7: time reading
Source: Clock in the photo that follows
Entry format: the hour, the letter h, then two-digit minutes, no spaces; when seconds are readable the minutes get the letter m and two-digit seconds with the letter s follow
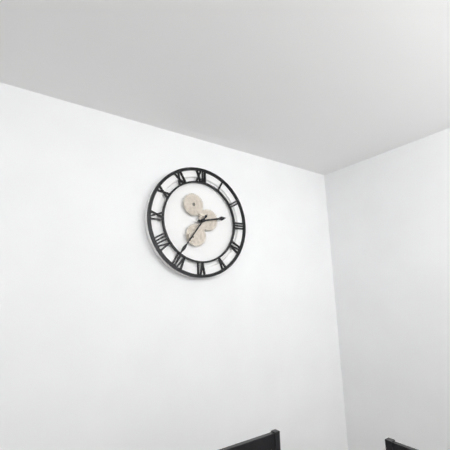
2h36
